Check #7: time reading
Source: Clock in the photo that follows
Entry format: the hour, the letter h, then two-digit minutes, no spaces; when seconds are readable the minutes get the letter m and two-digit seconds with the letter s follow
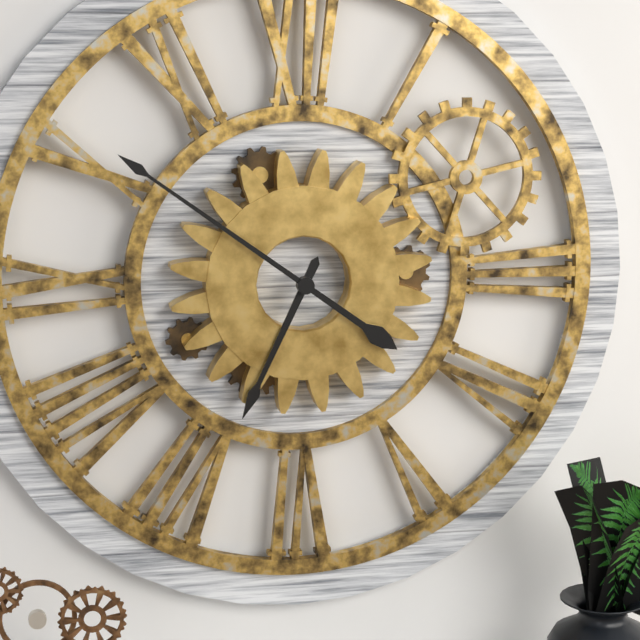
6h51
